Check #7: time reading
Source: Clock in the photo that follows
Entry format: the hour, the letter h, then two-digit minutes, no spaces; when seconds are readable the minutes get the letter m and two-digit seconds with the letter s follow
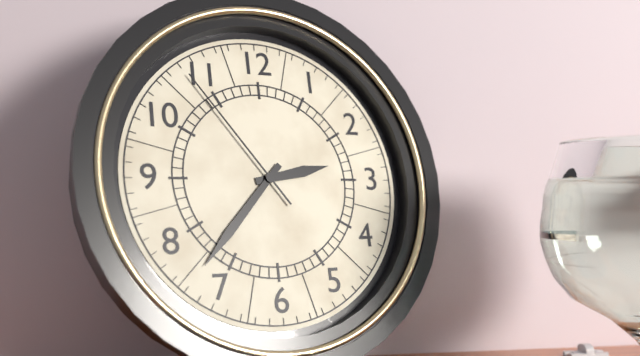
2h37m54s
